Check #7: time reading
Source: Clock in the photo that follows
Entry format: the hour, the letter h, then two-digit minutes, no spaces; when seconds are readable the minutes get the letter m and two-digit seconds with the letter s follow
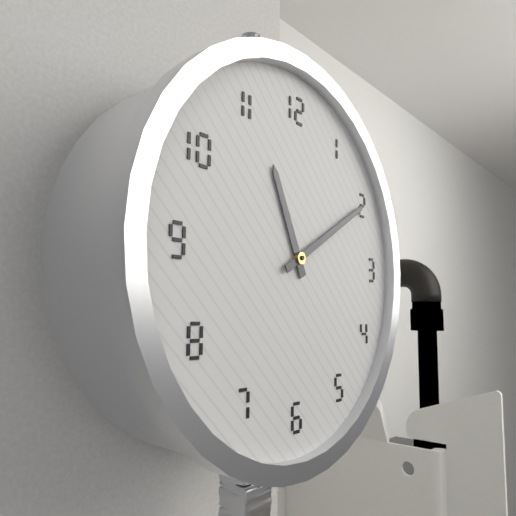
11h10
